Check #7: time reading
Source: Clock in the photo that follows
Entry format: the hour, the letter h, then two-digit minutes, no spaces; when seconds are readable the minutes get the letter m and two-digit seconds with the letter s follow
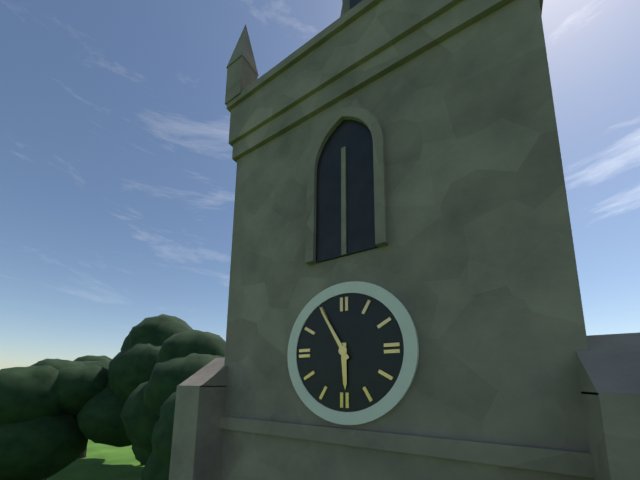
5h55
